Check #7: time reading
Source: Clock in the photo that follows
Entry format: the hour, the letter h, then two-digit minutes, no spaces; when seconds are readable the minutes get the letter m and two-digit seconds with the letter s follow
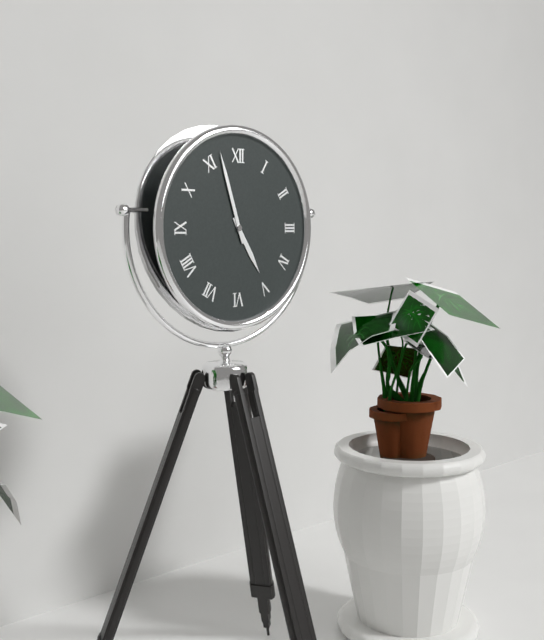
4h57
